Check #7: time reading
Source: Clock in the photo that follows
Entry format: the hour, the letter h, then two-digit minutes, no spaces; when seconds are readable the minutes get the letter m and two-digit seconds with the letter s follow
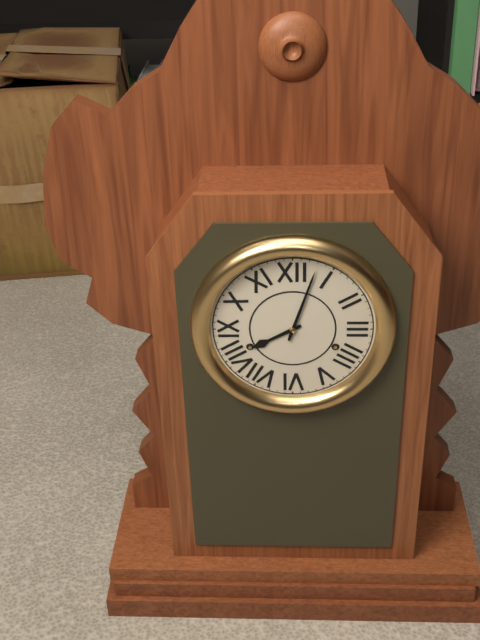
8h03
